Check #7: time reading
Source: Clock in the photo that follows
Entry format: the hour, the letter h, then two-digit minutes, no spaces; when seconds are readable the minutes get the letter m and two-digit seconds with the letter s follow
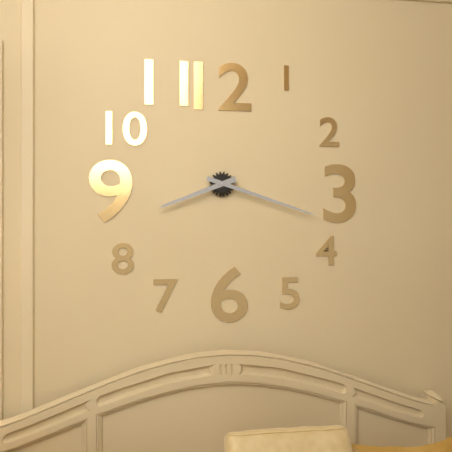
8h18
